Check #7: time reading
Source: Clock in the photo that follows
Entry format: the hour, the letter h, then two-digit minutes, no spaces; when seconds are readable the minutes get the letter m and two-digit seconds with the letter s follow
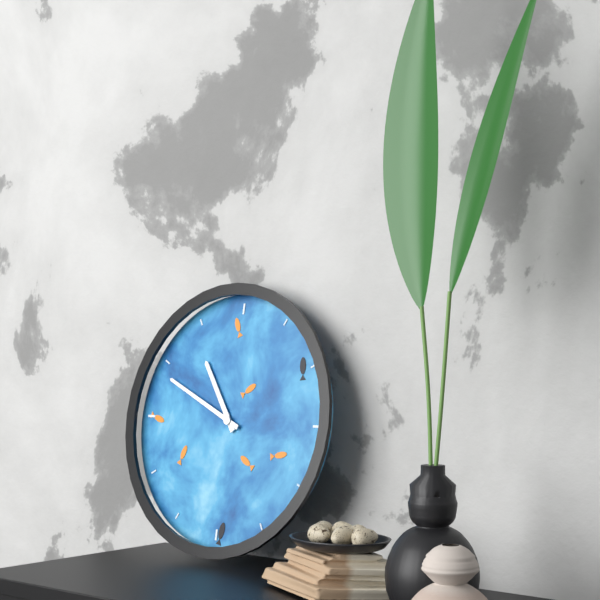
10h49
